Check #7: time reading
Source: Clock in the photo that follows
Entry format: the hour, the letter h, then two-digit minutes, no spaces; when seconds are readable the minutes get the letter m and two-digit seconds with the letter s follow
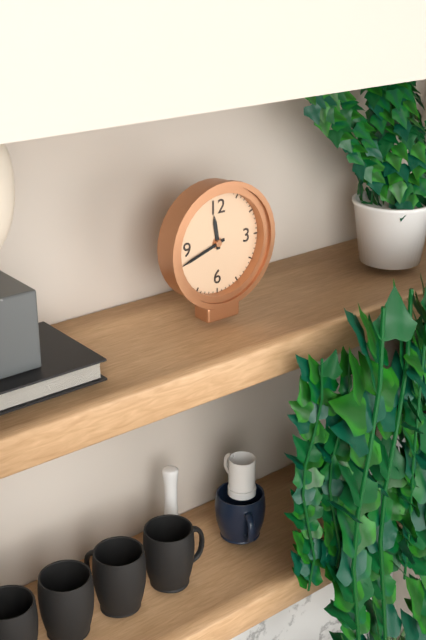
11h42
